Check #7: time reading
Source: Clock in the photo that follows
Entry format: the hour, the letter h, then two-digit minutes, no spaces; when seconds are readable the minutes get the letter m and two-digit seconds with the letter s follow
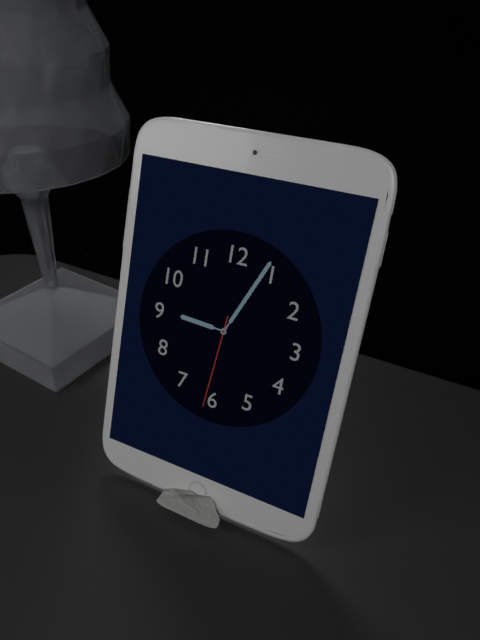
9h04m31s
